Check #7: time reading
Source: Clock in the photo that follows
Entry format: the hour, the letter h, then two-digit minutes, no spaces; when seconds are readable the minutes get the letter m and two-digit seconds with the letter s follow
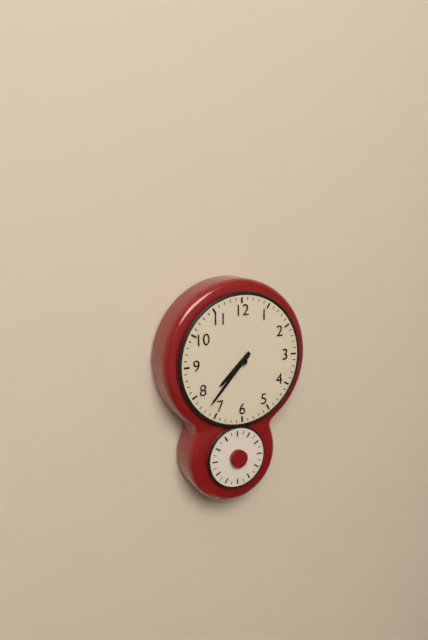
7h37
